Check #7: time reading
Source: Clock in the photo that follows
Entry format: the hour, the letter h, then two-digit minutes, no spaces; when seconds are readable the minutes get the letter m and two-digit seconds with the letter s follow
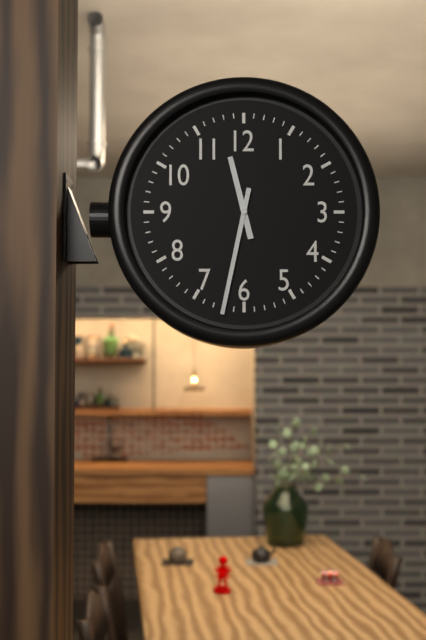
11h32
